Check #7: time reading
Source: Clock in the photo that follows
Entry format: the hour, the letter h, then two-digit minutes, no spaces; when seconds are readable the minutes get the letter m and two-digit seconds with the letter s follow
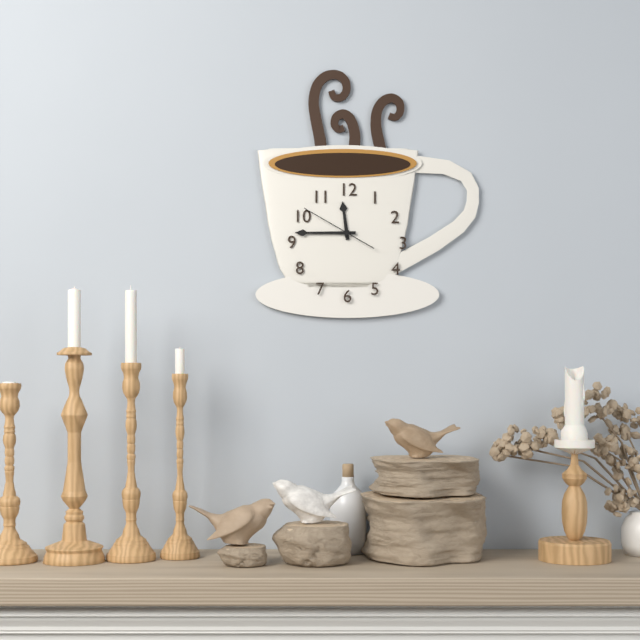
11h45m50s
